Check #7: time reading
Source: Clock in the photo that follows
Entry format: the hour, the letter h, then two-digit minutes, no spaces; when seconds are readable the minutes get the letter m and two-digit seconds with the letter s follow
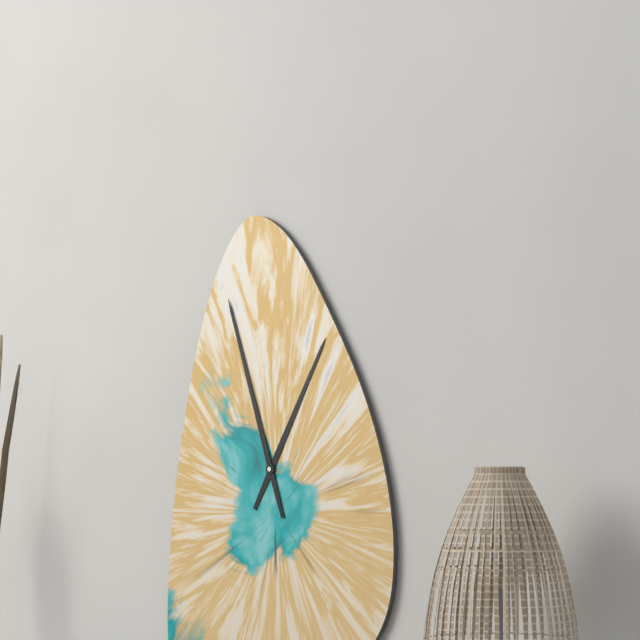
12h57
